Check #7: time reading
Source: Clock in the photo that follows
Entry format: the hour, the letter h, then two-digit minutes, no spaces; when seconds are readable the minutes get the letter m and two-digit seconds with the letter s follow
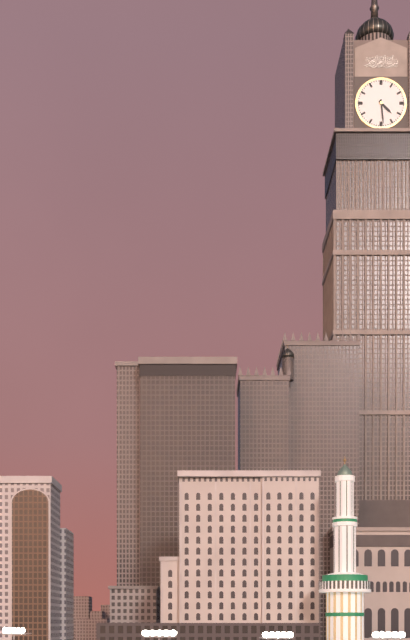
4h29
